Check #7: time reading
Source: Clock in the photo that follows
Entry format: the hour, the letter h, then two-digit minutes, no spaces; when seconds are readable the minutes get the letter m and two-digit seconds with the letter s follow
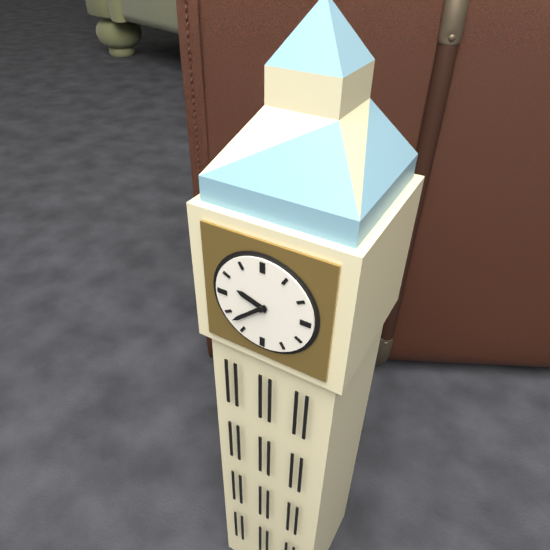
9h38
